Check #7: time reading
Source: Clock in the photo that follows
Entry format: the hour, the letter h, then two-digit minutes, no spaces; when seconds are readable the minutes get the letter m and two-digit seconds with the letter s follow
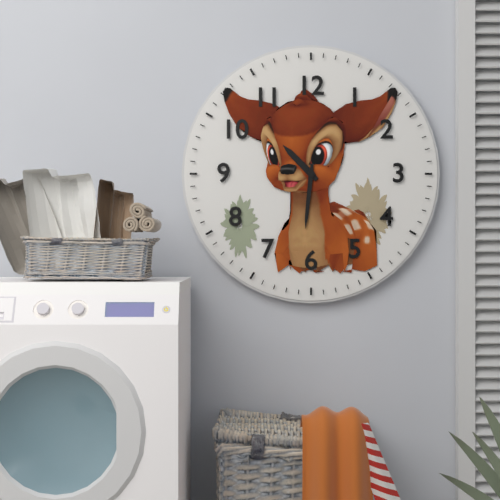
10h31
